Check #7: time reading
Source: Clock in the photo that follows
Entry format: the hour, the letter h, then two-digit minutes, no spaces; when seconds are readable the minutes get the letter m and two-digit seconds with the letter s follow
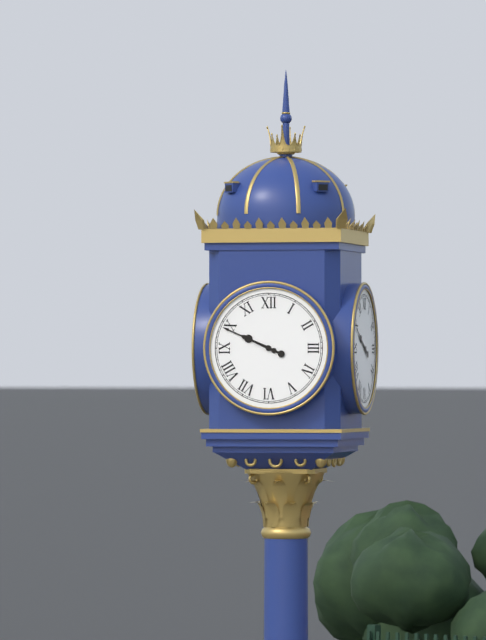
9h49
